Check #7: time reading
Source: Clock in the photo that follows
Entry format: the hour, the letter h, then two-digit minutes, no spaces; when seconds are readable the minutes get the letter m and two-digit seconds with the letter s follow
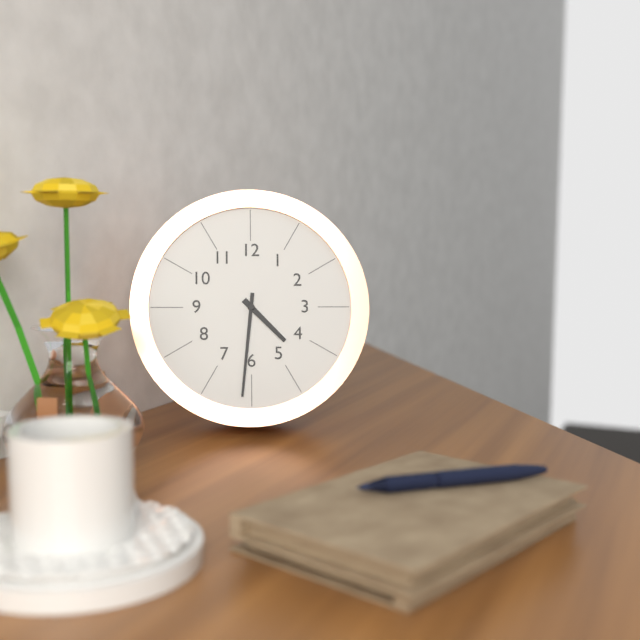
4h31
